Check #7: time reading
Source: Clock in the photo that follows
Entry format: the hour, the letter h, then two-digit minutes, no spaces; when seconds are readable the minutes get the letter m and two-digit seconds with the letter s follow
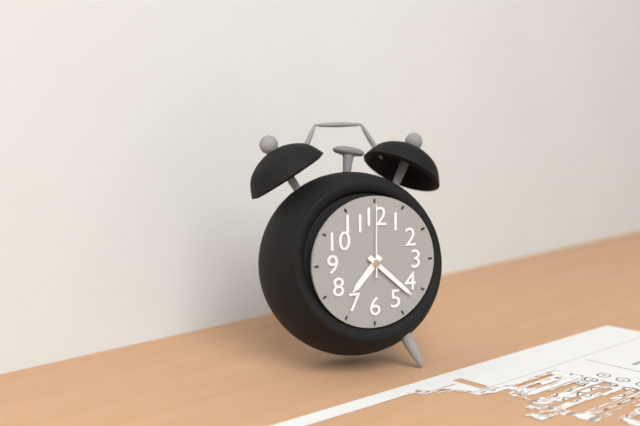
7h22m00s
